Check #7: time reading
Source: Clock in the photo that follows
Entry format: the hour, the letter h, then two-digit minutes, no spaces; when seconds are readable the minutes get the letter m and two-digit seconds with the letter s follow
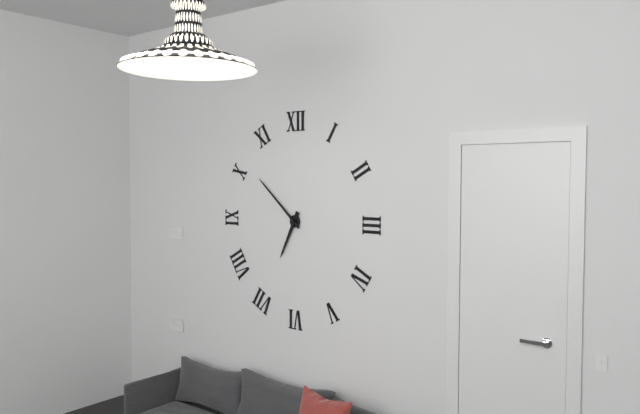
6h52
